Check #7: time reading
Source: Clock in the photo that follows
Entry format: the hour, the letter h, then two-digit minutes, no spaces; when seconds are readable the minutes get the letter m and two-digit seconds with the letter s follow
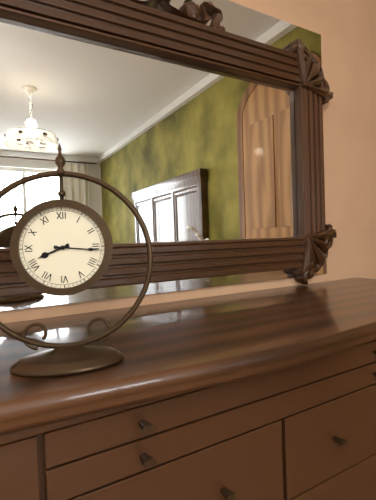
8h16
